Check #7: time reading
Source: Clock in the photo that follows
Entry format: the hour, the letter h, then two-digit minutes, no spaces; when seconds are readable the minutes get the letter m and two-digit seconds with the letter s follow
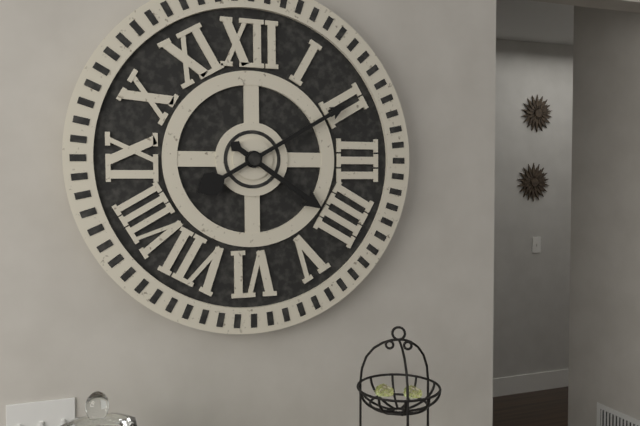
4h10
